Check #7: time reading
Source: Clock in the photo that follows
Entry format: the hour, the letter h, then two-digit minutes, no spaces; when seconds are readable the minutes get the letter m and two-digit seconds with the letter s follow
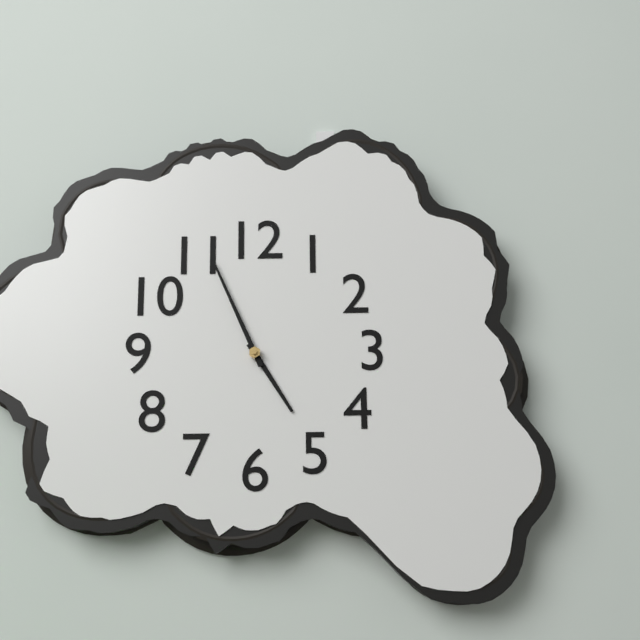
4h56
